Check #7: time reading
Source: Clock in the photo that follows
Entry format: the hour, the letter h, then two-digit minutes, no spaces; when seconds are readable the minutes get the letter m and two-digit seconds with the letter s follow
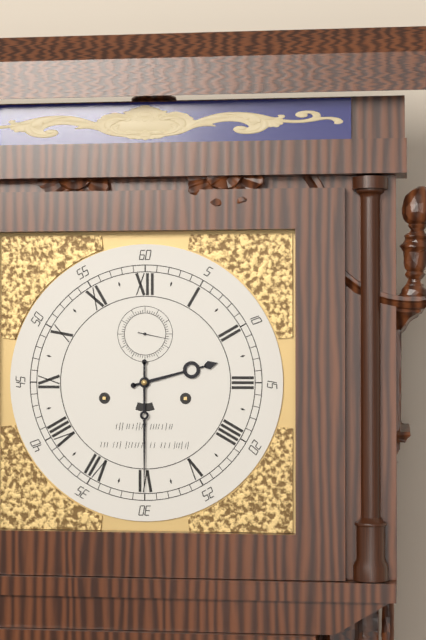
2h30
